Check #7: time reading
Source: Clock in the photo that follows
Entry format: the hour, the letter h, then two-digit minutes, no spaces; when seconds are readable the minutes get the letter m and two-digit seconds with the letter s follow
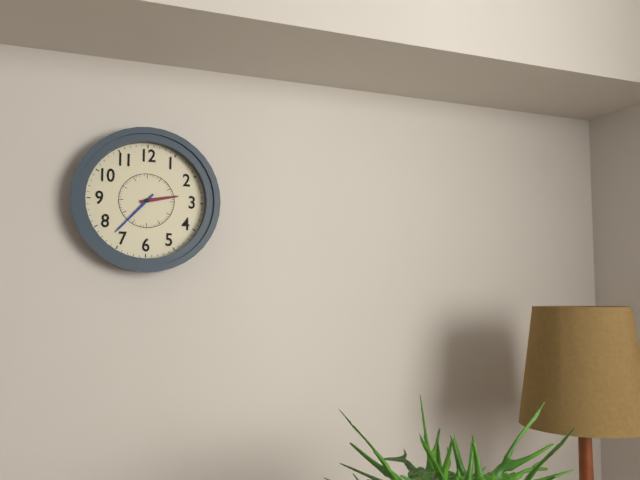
2h37
